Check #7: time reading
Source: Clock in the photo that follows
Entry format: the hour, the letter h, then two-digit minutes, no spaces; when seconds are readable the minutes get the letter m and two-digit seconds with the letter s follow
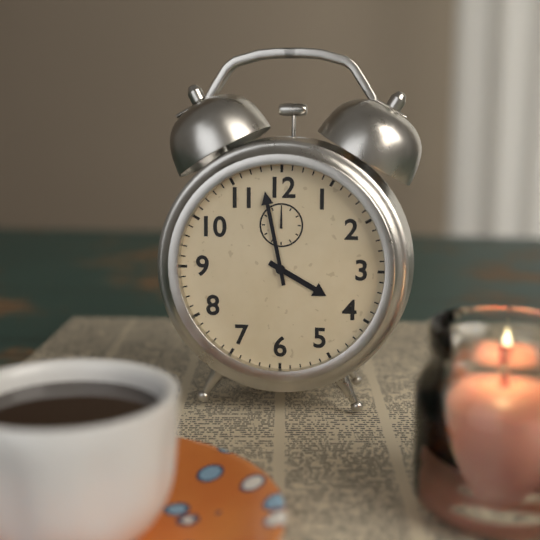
3h58
